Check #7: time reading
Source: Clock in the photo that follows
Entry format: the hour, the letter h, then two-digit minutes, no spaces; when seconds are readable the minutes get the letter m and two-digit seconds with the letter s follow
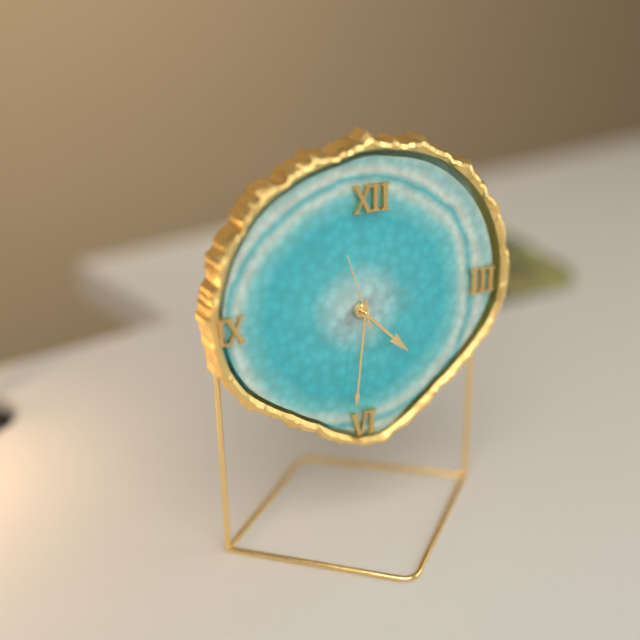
4h31m57s
